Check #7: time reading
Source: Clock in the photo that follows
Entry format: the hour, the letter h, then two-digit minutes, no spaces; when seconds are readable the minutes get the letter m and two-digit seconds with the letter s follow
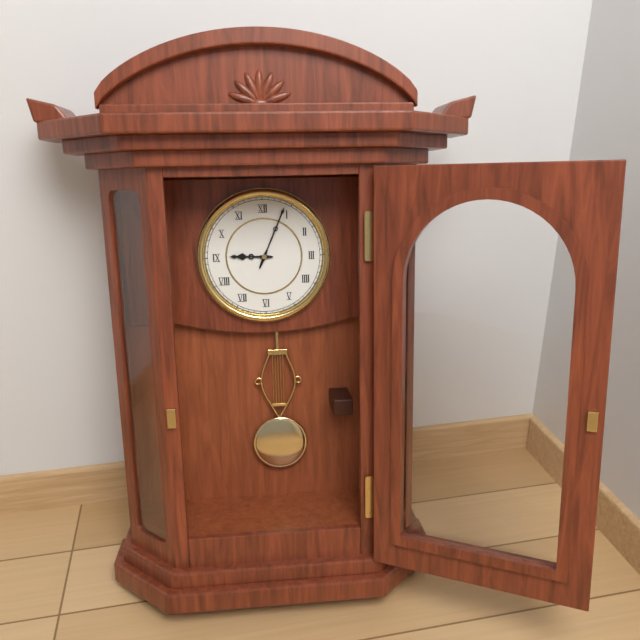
9h04
